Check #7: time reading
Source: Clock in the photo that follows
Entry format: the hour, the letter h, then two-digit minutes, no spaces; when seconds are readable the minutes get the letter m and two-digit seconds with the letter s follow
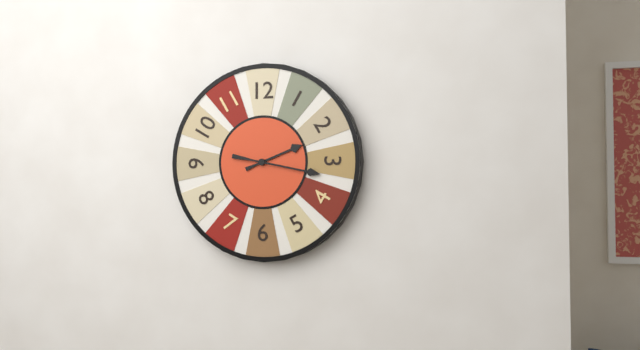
2h17
